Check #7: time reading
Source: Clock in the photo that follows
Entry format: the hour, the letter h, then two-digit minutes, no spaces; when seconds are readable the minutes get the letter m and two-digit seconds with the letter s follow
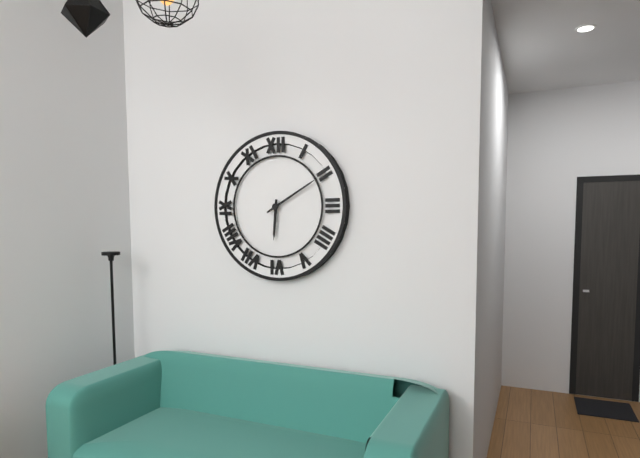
6h10
